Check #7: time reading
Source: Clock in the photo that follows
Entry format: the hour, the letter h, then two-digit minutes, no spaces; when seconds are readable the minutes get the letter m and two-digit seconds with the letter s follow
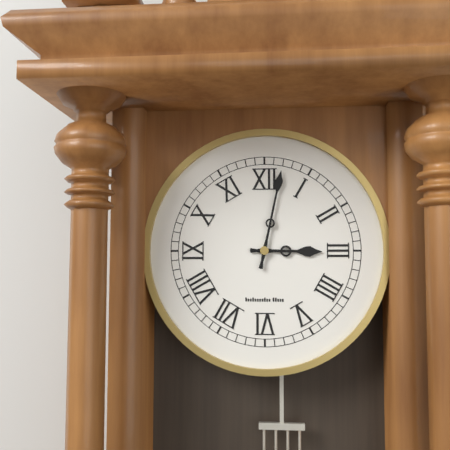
3h02
